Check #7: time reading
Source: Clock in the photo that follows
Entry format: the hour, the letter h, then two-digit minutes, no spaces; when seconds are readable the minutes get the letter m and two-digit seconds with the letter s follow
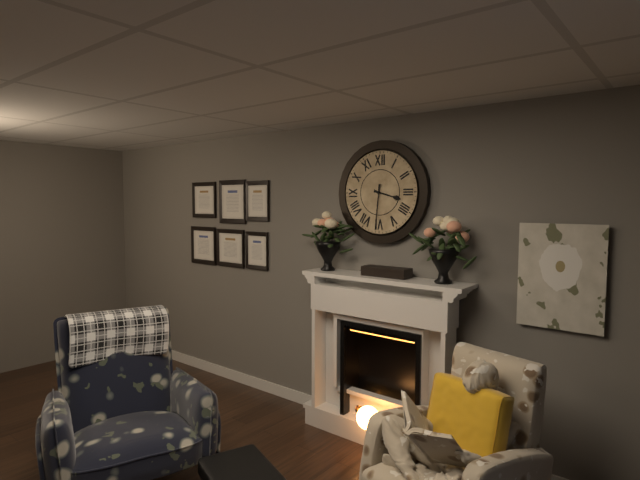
3h31
